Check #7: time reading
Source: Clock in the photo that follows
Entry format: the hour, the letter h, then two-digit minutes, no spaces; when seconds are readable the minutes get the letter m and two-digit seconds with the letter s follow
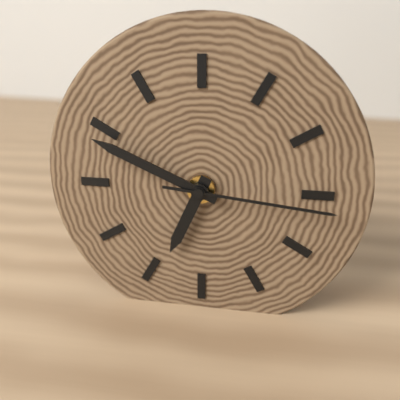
6h49m16s
